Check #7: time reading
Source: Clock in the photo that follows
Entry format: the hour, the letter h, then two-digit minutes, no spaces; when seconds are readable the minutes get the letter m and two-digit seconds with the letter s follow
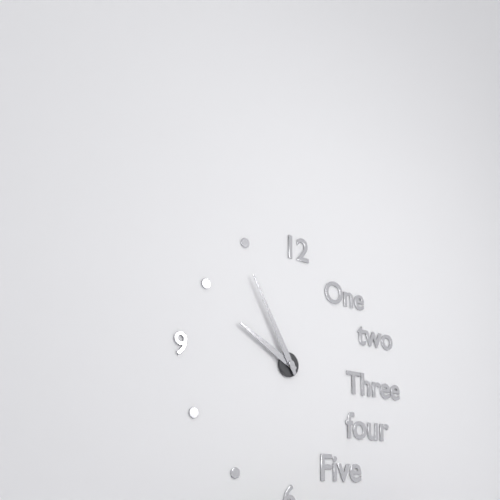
9h55
